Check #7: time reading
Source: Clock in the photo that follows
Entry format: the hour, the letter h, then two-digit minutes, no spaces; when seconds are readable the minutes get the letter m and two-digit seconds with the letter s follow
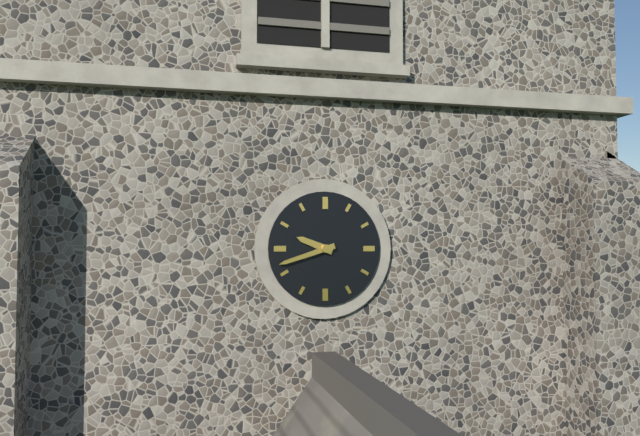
9h42
